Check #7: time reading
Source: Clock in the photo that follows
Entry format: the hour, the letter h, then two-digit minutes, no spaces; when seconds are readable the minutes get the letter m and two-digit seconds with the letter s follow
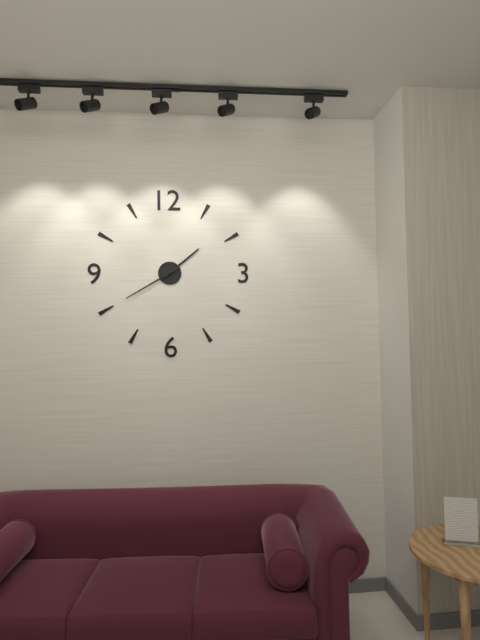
1h40
